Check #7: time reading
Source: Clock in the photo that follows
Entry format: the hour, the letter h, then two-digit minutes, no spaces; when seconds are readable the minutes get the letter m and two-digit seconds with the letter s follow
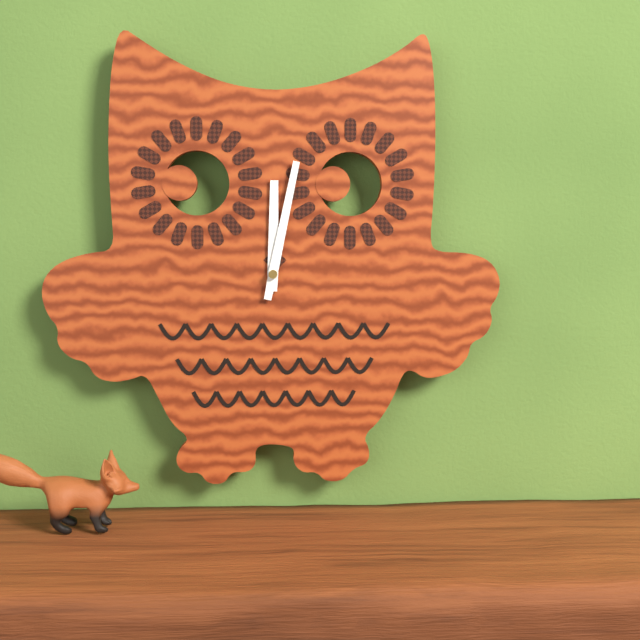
12h02
